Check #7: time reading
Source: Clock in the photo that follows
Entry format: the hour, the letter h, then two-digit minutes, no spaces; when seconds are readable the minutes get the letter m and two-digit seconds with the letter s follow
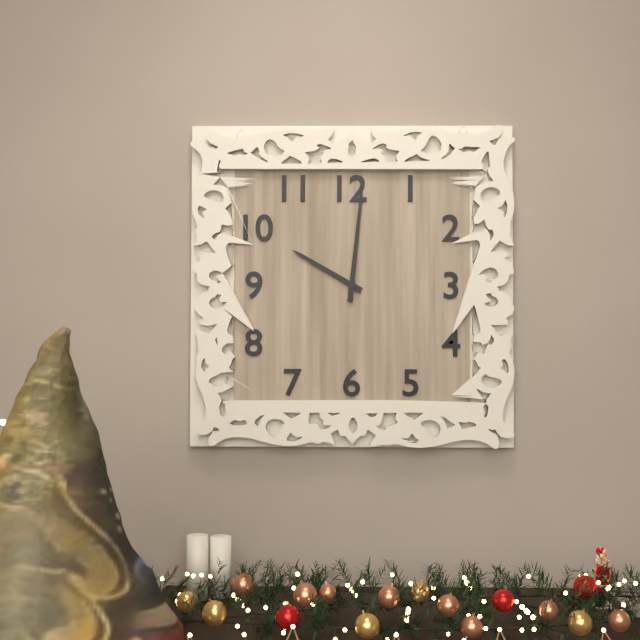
10h01
